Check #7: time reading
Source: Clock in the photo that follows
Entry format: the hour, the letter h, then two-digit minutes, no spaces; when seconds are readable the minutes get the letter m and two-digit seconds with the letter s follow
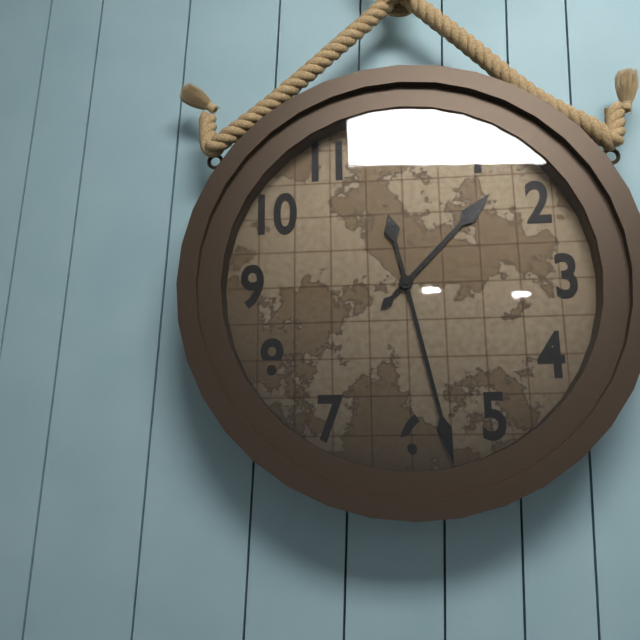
1h28
